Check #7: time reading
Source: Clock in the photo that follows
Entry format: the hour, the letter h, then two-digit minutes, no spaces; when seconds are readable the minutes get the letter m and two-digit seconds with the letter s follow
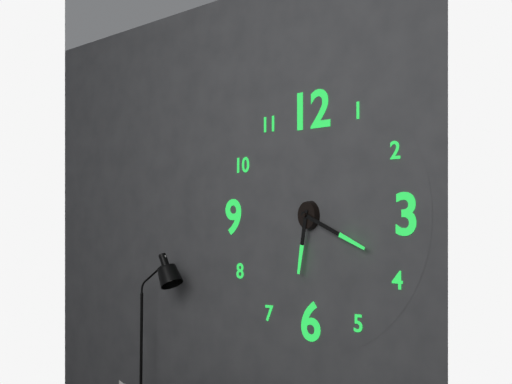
6h19
